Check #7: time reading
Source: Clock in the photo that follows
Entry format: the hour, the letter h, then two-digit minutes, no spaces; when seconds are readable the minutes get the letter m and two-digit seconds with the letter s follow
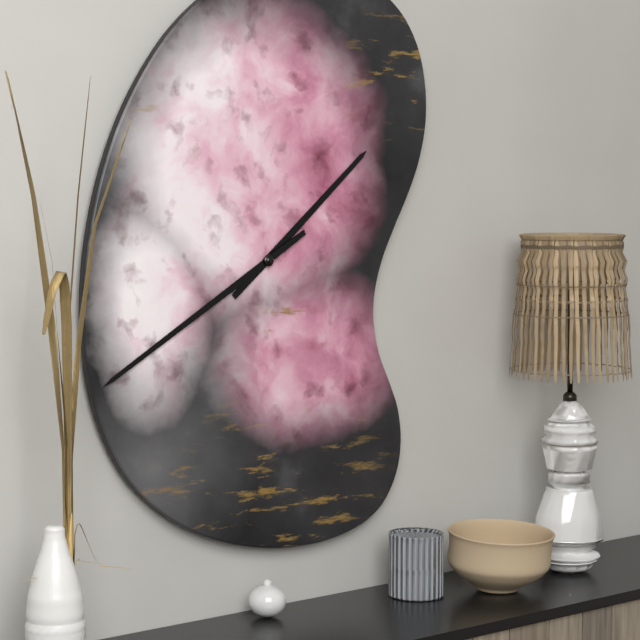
1h40
